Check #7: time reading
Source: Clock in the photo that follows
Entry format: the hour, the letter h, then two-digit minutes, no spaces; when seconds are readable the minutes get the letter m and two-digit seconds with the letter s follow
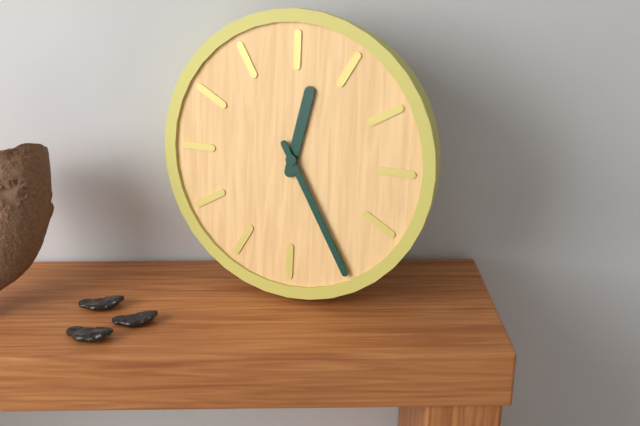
12h25
